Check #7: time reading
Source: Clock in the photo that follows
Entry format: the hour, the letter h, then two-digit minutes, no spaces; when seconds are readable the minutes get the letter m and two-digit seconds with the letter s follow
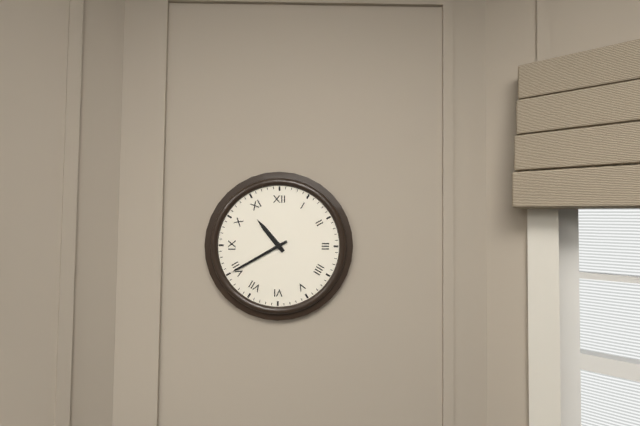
10h40
